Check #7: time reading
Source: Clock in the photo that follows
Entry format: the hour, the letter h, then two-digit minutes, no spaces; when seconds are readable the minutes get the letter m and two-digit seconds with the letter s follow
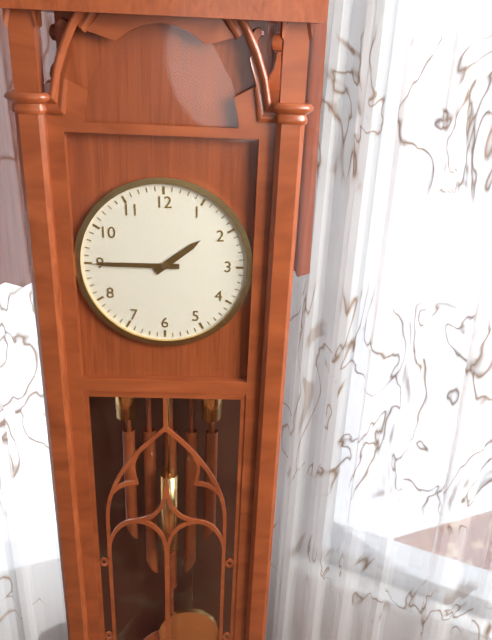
1h45
